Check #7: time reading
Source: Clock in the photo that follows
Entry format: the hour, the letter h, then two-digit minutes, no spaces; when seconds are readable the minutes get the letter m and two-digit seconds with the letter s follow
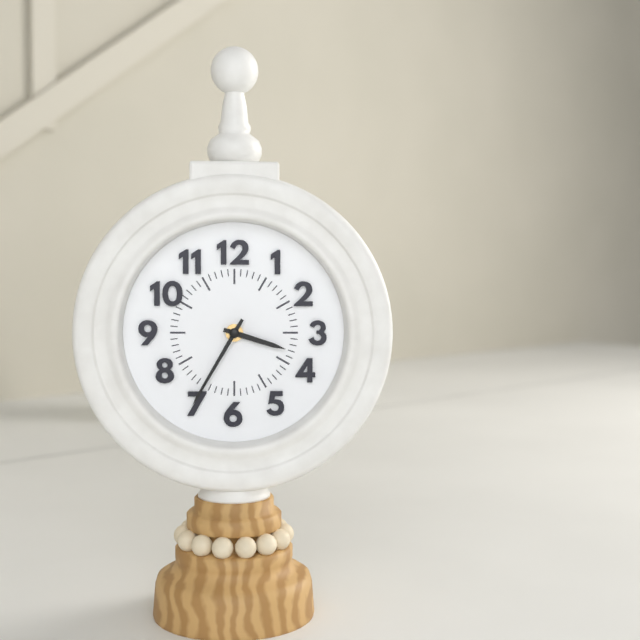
3h35
